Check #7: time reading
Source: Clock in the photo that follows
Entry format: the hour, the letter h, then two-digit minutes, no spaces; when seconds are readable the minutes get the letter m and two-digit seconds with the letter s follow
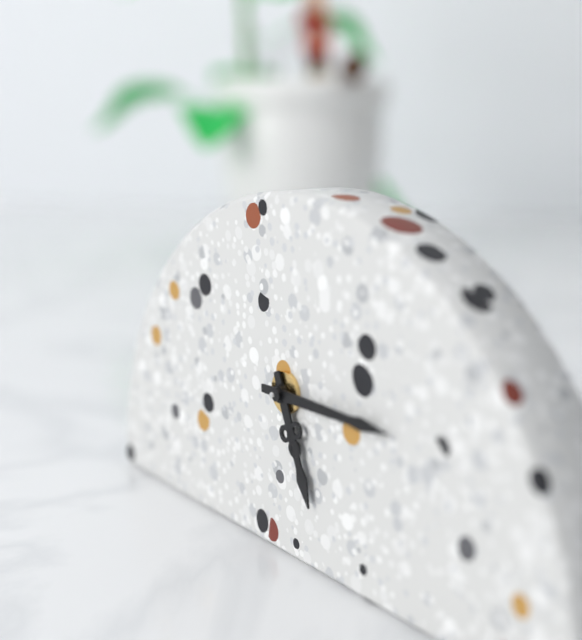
5h15
